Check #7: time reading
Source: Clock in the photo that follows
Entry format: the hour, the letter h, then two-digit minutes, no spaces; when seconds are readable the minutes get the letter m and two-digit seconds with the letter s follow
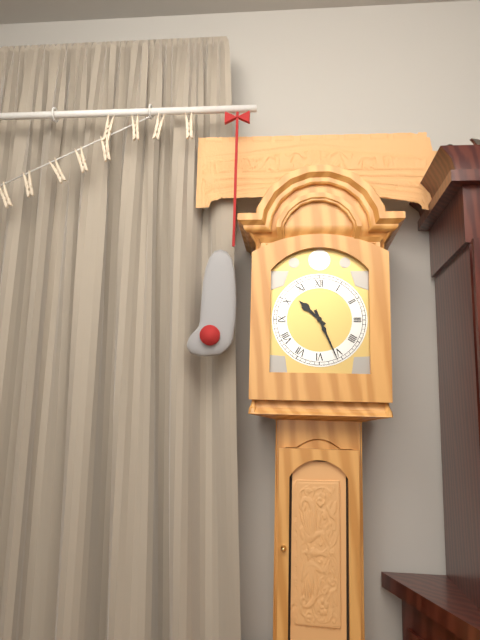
10h26
